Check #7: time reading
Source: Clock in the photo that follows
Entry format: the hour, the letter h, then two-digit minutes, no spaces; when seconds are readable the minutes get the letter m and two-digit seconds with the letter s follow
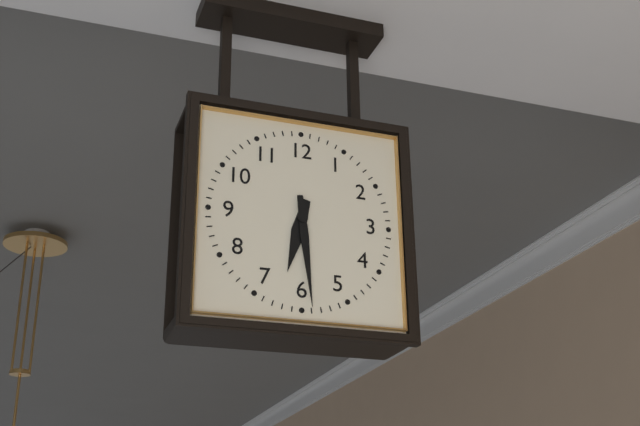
6h29
